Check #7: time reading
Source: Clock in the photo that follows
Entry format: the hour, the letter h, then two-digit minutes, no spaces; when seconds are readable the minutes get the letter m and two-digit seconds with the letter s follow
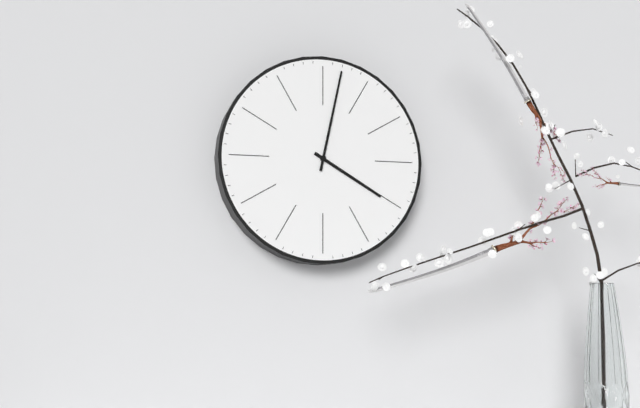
4h02
